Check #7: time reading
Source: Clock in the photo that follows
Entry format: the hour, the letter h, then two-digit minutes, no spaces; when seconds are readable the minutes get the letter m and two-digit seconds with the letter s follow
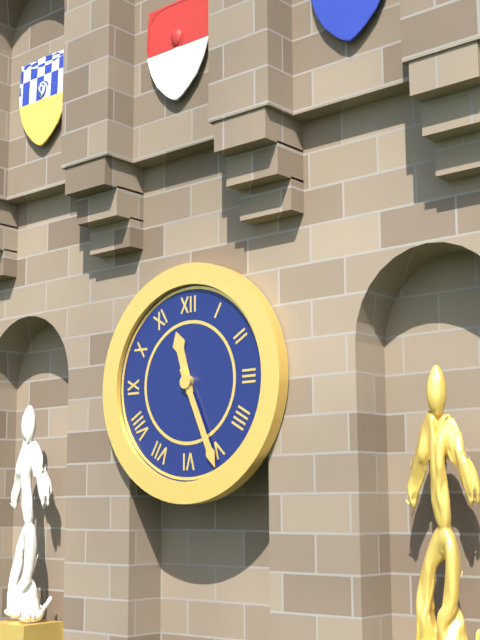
11h26
